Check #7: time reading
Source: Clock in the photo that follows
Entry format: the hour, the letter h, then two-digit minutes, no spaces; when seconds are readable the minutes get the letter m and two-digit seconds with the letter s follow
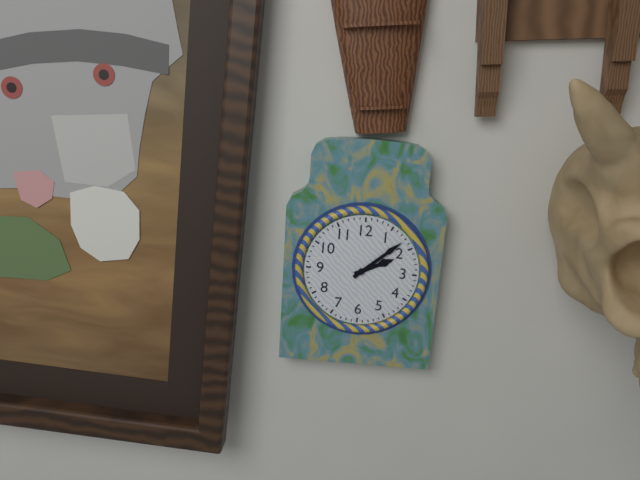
2h08
